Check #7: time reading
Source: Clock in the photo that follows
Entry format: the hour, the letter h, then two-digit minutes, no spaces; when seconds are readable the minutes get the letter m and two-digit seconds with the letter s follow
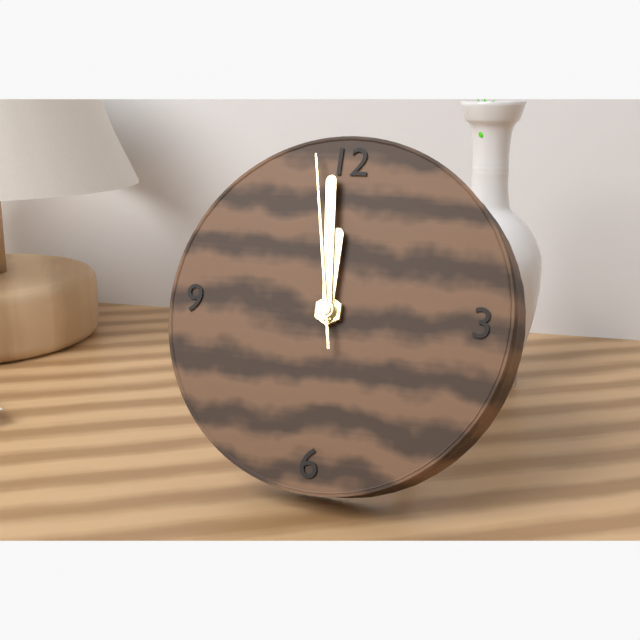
11h59m58s
